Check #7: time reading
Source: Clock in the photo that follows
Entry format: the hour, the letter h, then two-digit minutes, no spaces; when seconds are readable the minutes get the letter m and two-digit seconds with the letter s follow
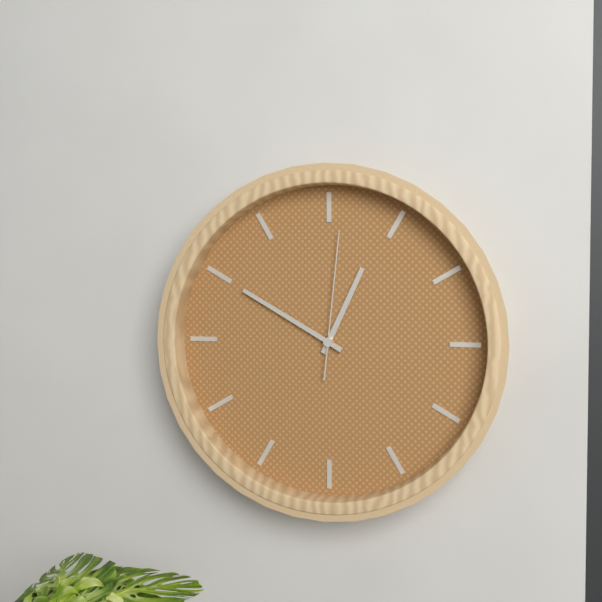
12h50m01s
